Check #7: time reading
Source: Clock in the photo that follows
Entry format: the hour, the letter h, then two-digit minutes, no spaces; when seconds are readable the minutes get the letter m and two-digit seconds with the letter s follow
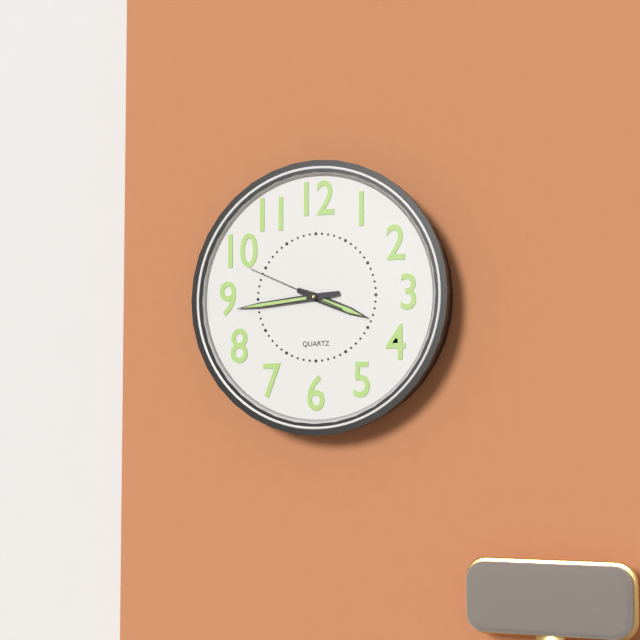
3h44m49s
